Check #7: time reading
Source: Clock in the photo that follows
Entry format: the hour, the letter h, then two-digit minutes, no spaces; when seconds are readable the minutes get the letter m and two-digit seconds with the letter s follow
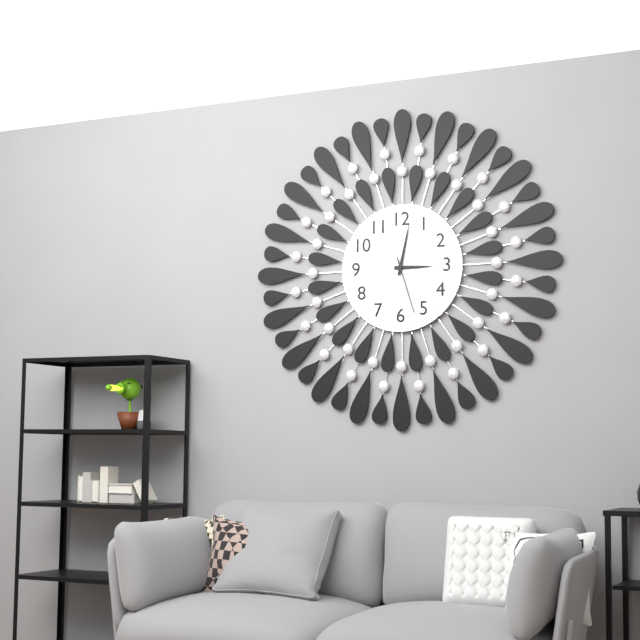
3h02m27s
